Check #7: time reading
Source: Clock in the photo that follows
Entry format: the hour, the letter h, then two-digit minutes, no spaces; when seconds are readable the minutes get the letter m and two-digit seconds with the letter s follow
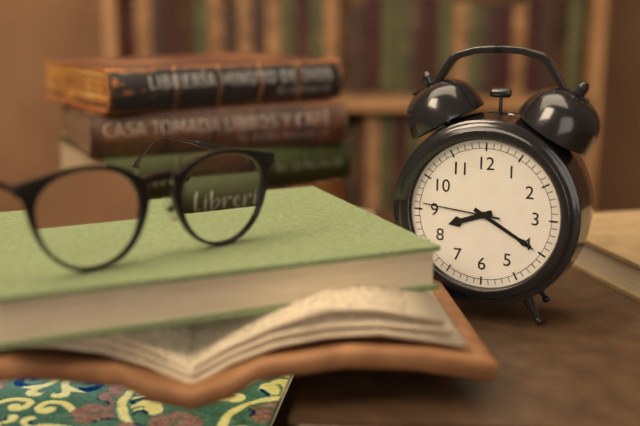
8h20m46s
